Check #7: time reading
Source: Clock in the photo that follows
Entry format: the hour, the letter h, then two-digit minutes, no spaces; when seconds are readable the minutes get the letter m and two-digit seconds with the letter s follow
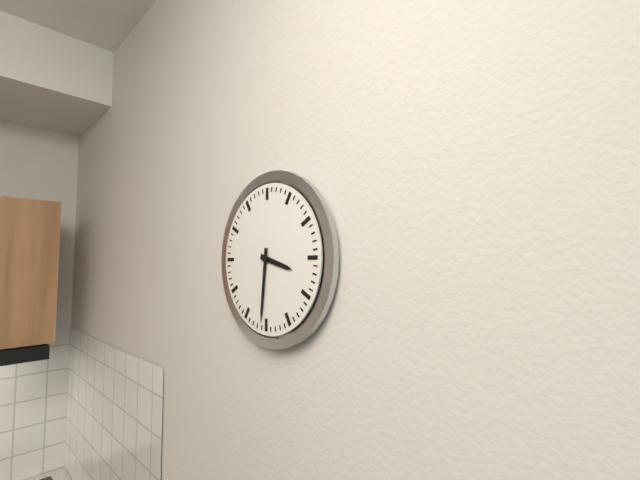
3h31
